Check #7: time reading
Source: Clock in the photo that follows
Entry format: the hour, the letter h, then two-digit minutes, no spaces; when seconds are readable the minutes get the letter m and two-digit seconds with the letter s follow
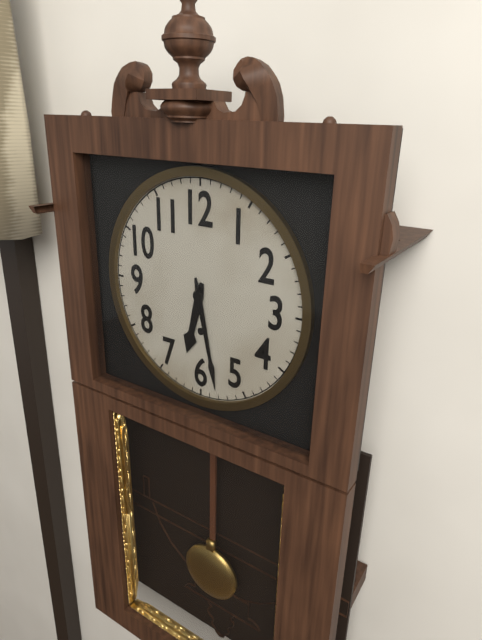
6h28
